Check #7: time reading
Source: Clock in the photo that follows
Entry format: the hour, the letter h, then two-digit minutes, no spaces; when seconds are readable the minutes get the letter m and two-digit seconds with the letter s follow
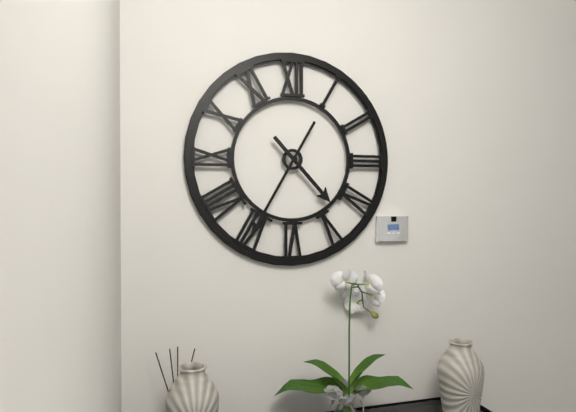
4h35
